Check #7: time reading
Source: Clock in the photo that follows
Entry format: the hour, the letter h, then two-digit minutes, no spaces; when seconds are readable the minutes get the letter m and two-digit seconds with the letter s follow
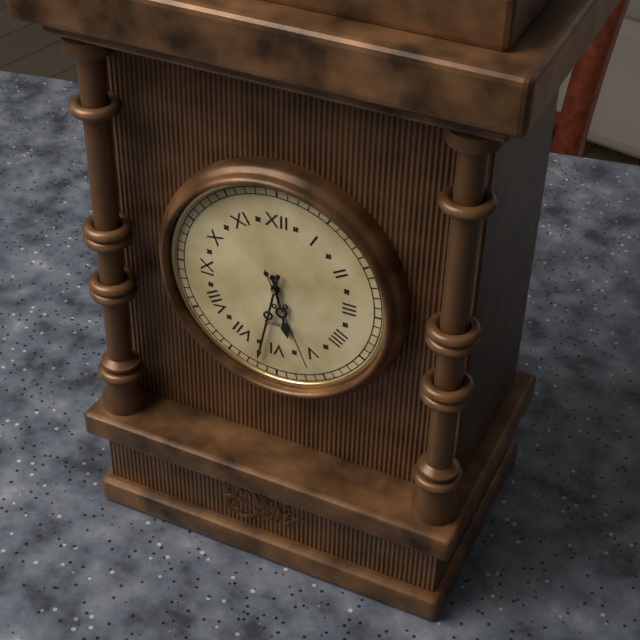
5h32m26s
